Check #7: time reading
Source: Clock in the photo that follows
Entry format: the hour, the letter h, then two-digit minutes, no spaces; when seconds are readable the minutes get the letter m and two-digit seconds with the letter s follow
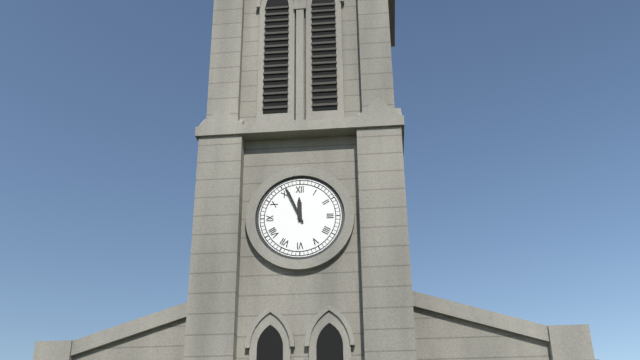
11h56
